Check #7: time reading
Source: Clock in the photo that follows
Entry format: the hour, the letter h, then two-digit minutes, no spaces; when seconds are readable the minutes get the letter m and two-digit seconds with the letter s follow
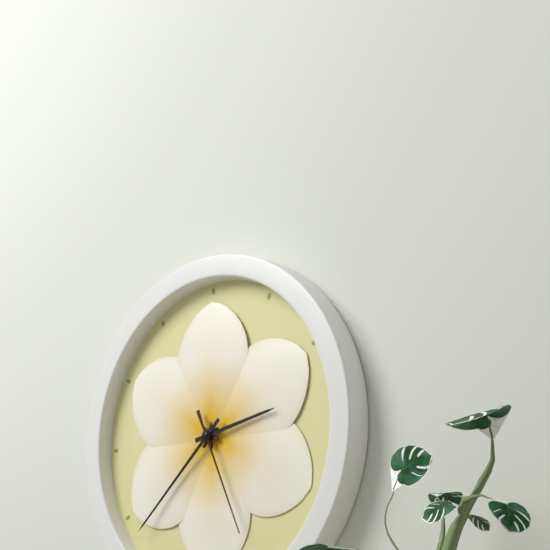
2h38m26s
